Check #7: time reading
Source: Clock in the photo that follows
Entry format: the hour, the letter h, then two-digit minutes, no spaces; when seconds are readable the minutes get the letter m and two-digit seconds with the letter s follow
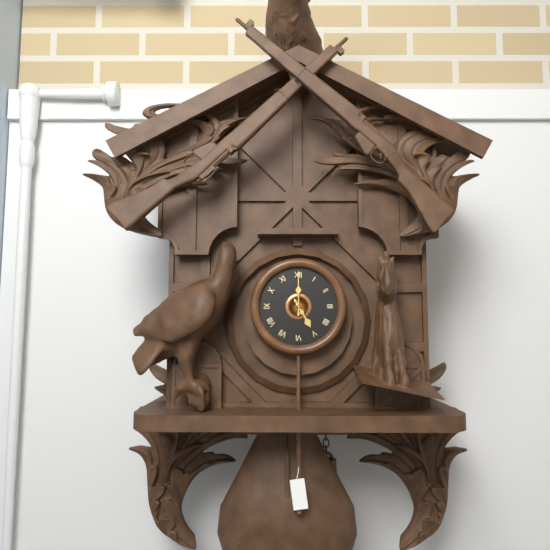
5h00
